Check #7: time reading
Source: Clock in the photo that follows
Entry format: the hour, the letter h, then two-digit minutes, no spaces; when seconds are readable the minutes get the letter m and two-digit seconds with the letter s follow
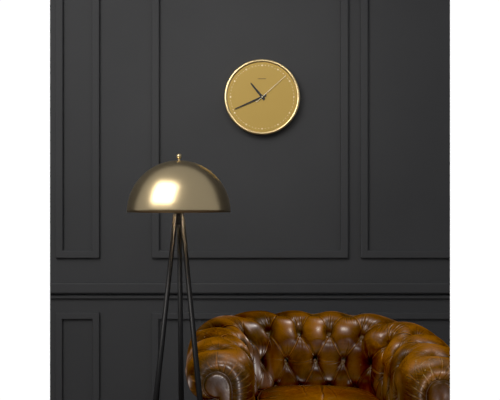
10h41
